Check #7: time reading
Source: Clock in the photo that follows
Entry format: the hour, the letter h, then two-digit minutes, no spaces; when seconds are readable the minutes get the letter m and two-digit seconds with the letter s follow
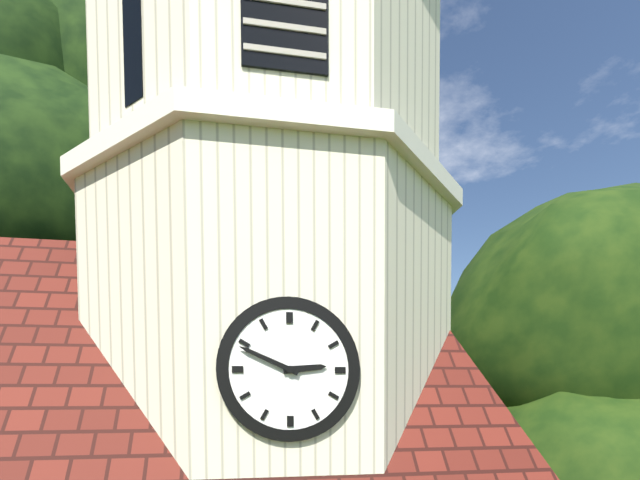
2h49
